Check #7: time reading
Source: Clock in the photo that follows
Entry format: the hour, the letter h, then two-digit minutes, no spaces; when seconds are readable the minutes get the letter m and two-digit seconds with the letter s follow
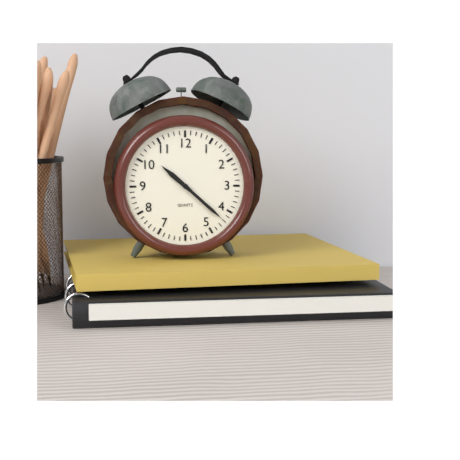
10h22
